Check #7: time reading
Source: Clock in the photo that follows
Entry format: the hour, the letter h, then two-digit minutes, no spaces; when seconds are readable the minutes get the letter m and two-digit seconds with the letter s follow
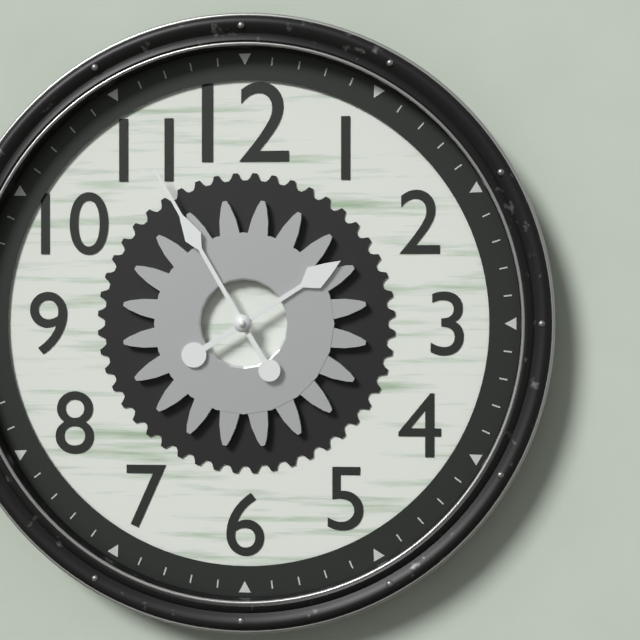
1h55
